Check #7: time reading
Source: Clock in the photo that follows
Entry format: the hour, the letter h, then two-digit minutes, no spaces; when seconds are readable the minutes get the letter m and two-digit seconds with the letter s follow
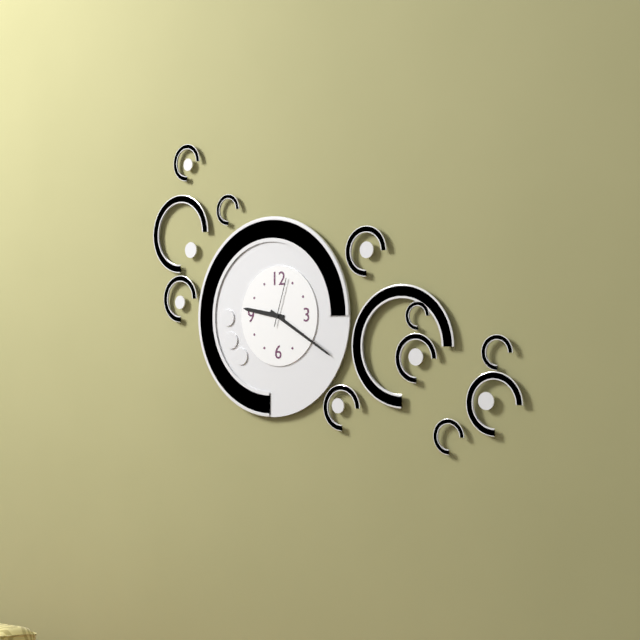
9h20
